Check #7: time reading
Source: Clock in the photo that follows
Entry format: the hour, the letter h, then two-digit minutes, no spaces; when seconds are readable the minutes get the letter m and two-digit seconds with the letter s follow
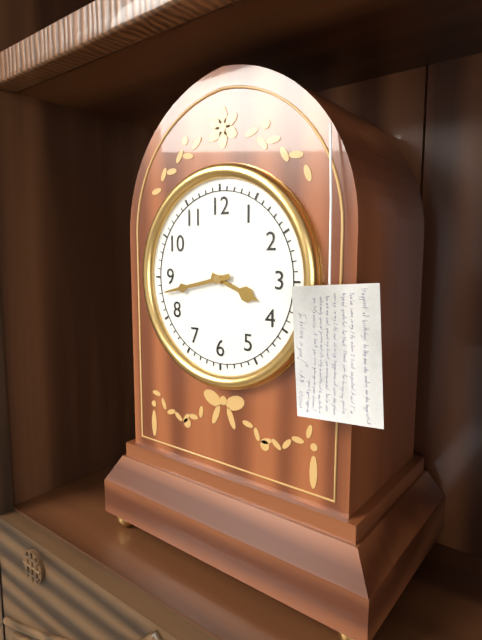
3h43
